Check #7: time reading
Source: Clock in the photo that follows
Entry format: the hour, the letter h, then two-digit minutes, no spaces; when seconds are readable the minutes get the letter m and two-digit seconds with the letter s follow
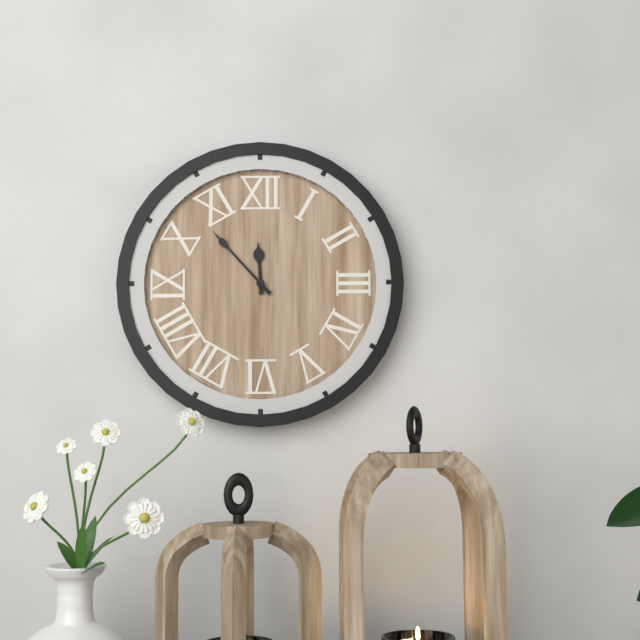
11h53
